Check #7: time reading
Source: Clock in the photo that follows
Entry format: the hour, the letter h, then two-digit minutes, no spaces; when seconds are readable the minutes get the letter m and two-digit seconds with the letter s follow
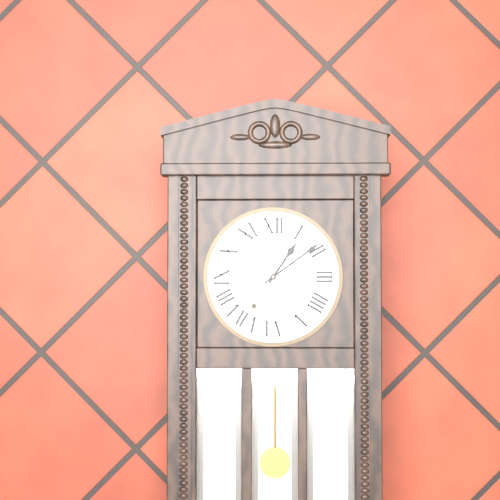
1h09
